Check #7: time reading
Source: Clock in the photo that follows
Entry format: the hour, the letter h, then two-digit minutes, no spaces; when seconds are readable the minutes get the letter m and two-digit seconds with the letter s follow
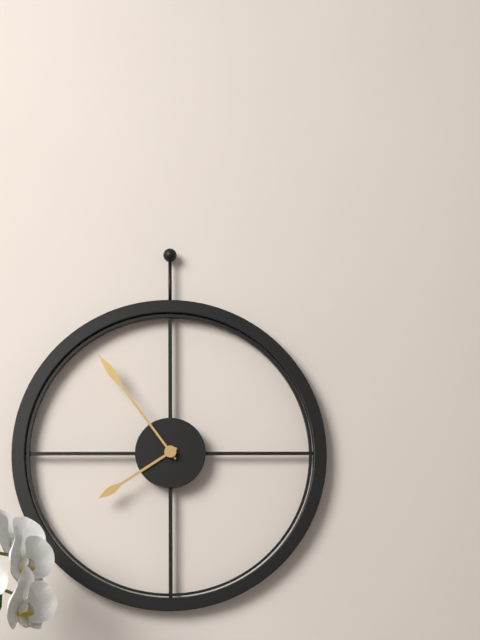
7h54
